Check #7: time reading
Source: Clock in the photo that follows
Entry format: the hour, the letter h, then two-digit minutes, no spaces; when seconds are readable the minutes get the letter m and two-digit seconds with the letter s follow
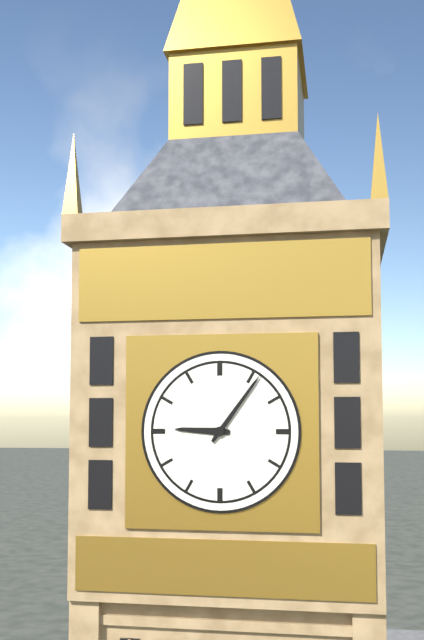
9h06
